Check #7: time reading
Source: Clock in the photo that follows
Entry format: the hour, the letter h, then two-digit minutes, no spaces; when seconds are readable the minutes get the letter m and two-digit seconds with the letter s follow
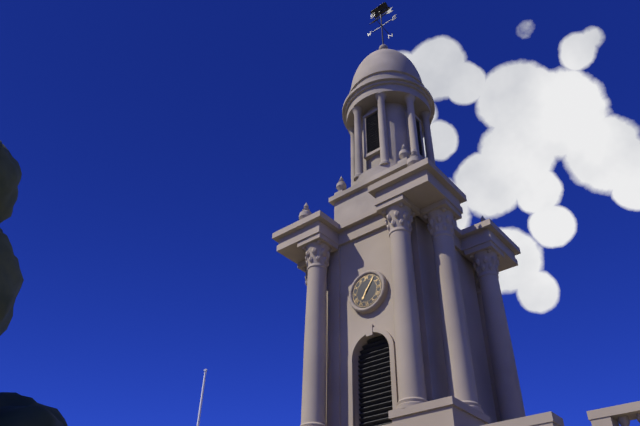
7h06
